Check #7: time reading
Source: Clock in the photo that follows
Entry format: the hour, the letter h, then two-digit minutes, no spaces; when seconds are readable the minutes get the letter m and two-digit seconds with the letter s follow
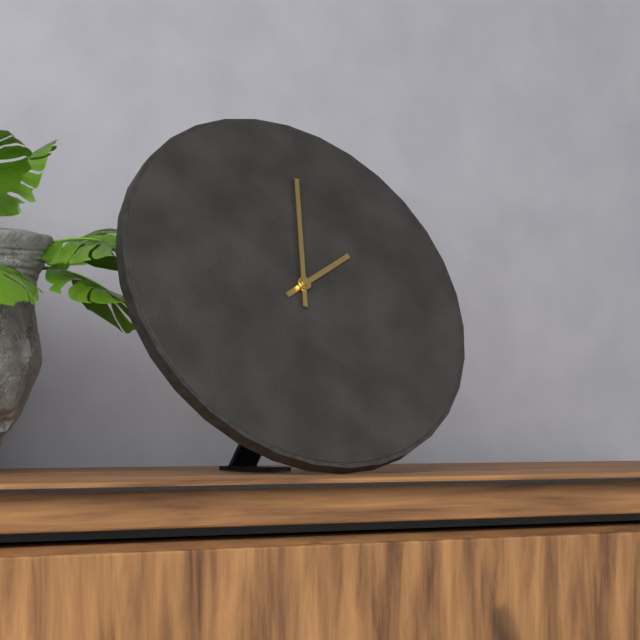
2h02
